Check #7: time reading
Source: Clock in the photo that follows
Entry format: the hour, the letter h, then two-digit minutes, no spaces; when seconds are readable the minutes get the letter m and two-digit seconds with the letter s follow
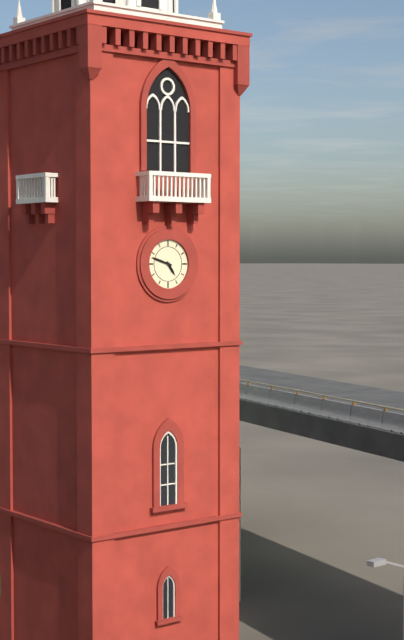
4h48
